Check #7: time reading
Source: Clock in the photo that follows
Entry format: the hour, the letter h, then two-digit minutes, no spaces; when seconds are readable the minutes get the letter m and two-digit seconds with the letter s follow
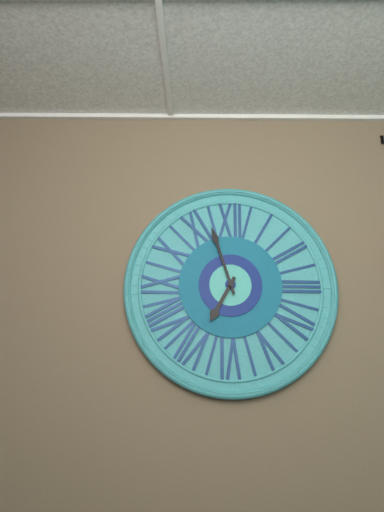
6h57
